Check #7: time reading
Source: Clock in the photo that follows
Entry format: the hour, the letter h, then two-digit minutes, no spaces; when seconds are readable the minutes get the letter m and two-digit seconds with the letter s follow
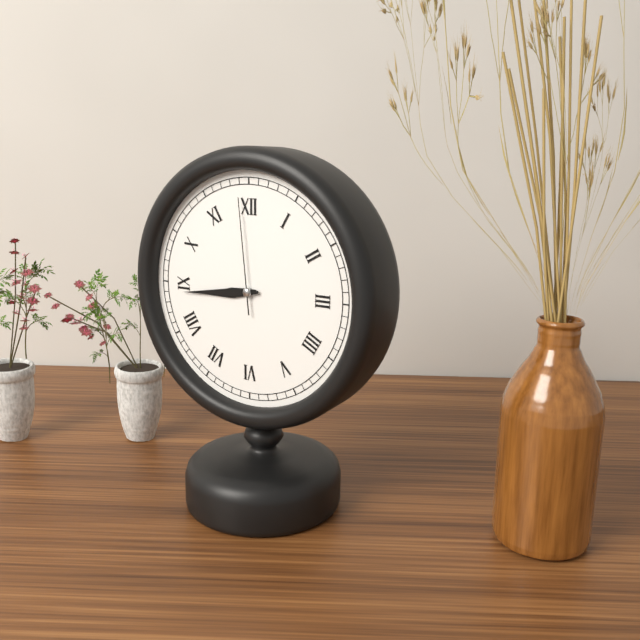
8h44m59s
